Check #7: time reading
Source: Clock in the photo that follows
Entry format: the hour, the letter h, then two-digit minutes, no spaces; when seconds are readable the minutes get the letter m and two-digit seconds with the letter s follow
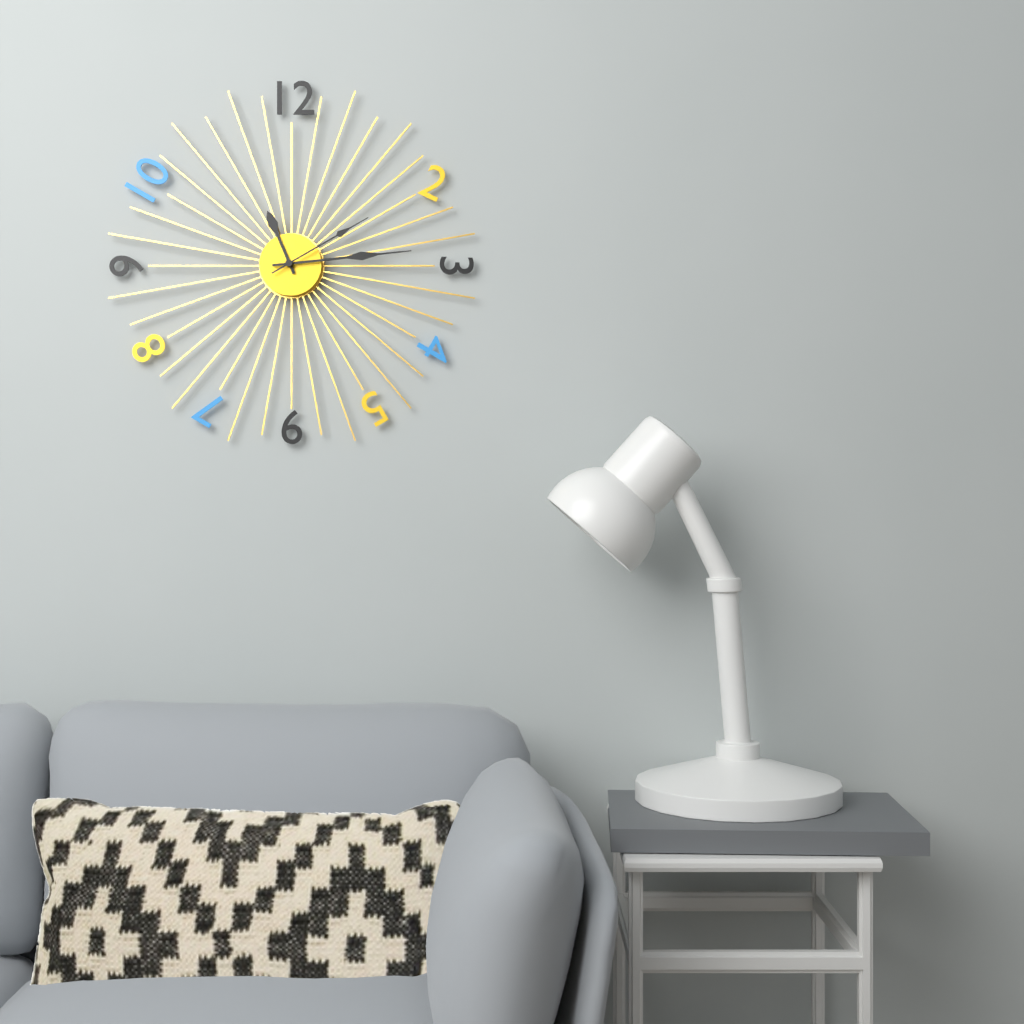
11h14m10s
